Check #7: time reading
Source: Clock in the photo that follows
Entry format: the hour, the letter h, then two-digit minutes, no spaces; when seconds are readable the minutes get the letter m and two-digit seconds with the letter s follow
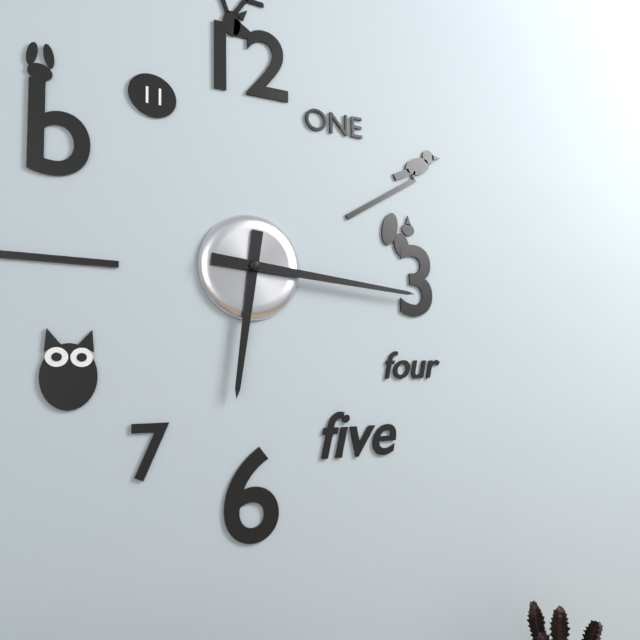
6h16
